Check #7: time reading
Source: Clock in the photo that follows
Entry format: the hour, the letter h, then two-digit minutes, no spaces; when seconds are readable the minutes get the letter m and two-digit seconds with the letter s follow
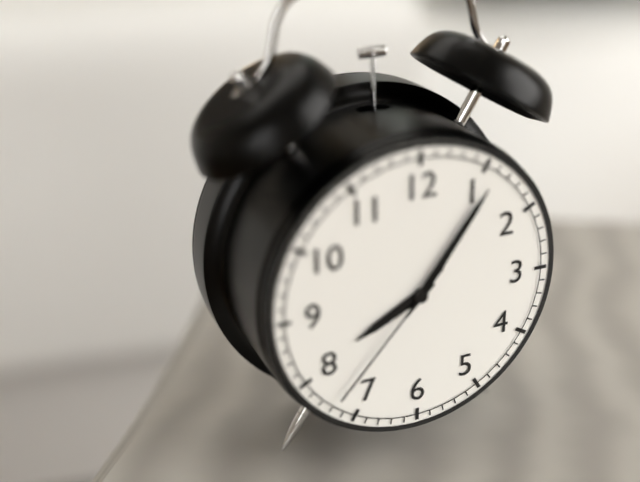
8h06m37s
